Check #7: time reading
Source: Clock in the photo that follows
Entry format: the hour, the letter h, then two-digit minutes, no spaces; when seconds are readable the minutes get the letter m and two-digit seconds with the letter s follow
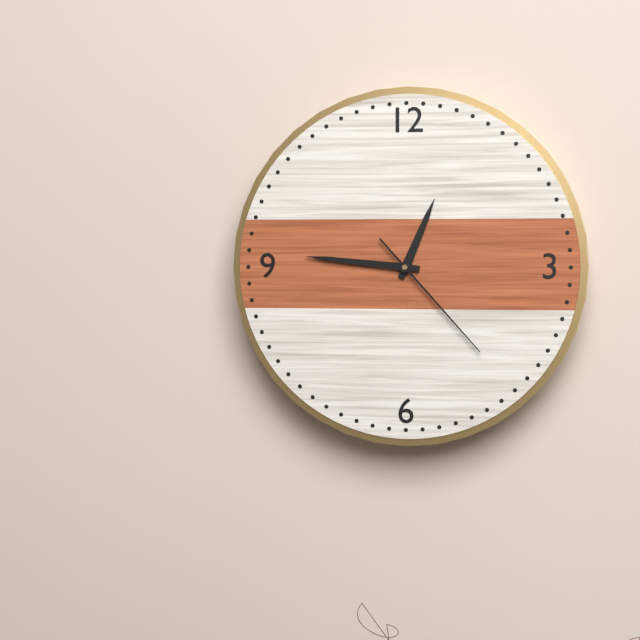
12h46m23s
